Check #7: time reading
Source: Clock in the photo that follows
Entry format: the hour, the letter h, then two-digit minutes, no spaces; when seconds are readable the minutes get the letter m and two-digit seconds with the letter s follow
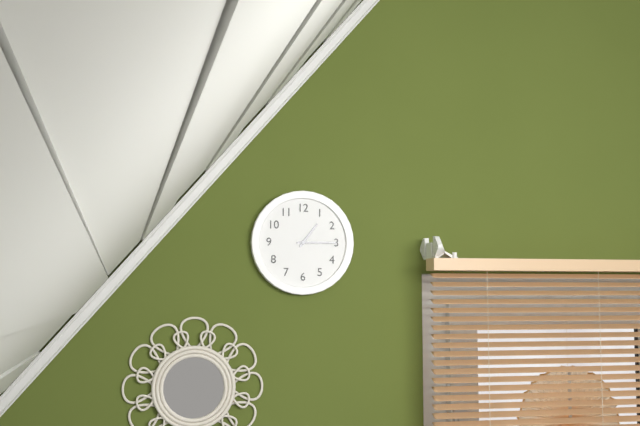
1h15
